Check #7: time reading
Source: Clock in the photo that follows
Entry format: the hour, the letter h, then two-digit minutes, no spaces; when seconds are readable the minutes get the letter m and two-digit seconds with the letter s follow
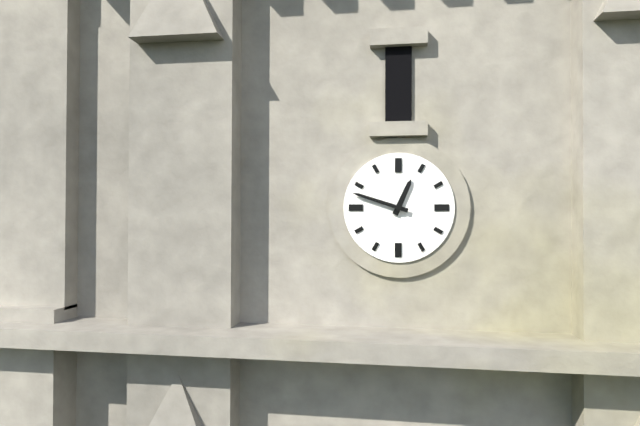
12h48
